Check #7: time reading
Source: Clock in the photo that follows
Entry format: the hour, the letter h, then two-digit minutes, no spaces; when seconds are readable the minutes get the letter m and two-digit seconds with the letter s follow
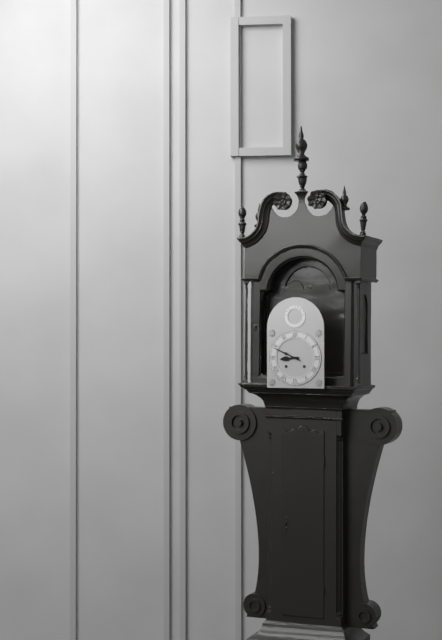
8h49
